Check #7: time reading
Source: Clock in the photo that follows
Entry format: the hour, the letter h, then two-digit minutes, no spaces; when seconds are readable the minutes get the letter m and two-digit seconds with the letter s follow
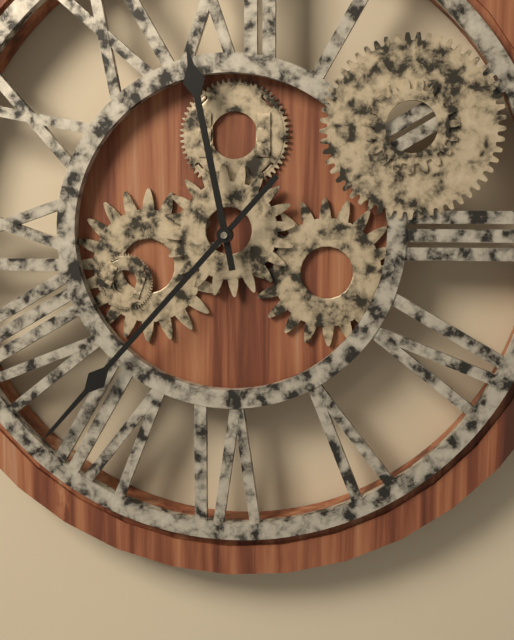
11h37
